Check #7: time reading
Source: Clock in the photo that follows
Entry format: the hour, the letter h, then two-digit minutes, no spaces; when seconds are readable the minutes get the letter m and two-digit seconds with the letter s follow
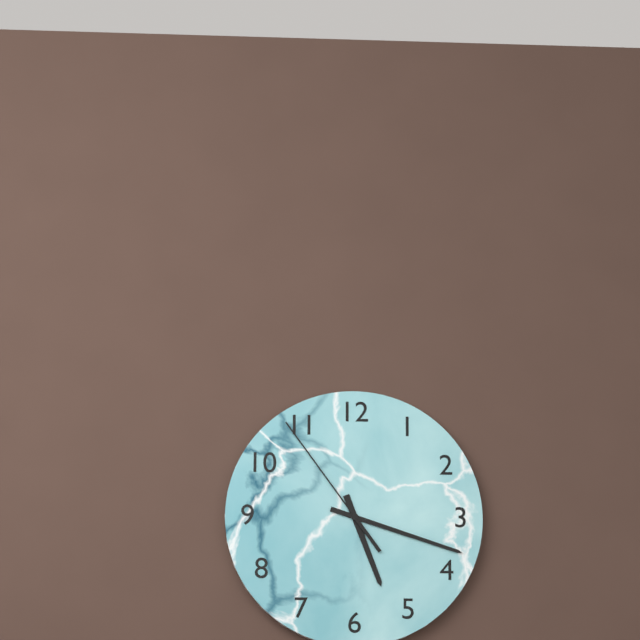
5h18m54s
